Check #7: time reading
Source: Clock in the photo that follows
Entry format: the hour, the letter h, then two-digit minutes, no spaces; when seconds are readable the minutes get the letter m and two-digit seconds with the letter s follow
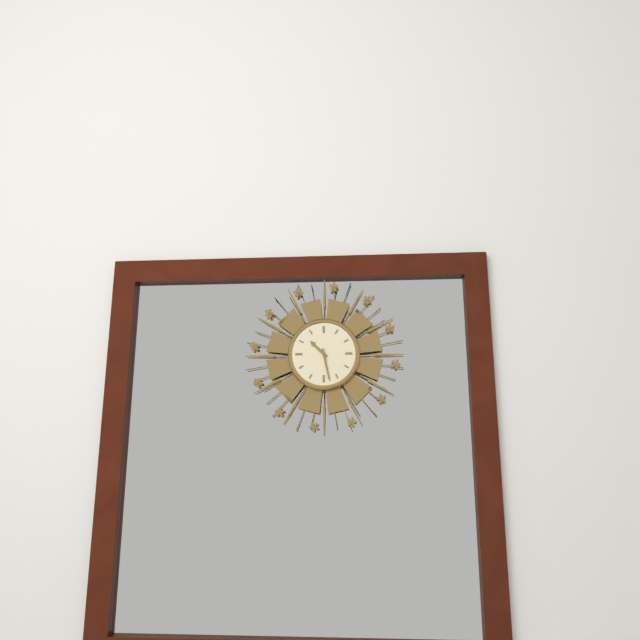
10h28
